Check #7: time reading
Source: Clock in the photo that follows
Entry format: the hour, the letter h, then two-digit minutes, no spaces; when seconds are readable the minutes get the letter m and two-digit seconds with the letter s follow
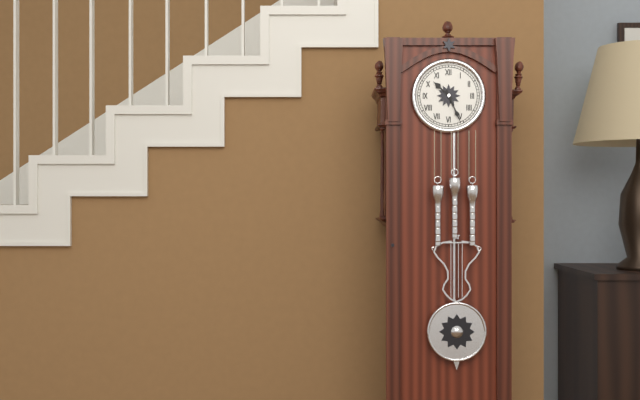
10h26
